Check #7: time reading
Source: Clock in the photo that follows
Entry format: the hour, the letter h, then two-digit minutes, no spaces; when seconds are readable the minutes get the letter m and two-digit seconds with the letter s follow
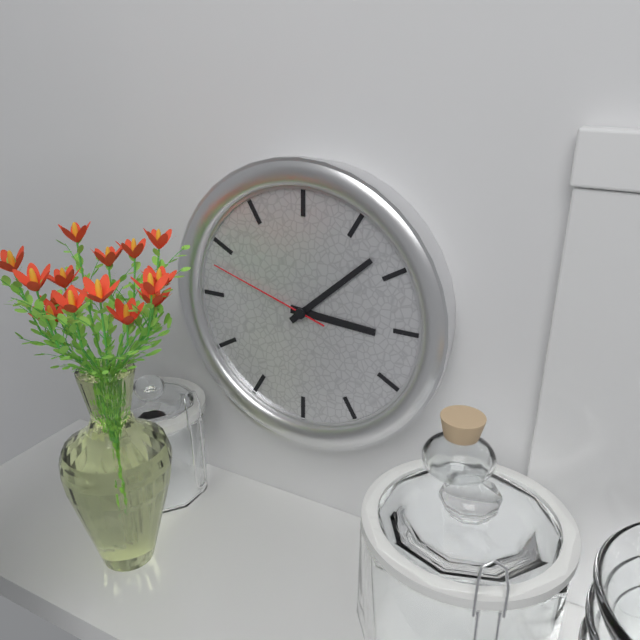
3h08m48s
